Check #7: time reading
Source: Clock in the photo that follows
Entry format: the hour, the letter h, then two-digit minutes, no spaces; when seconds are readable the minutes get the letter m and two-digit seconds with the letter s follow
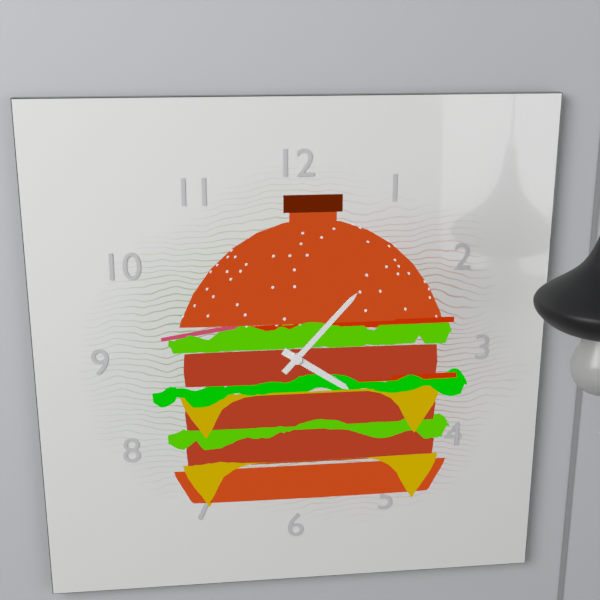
4h07
